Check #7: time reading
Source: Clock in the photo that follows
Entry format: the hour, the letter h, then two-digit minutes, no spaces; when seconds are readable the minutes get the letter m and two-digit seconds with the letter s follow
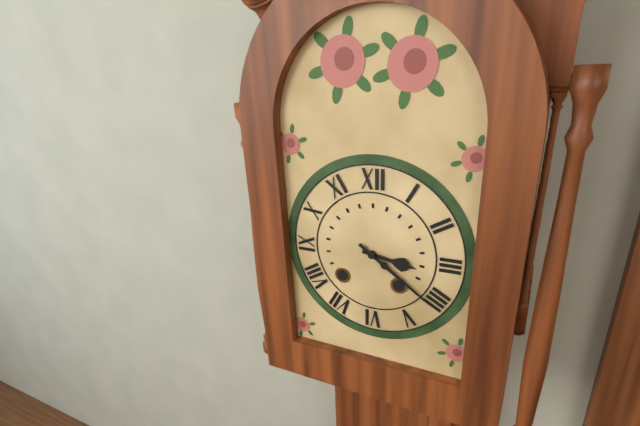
3h21
